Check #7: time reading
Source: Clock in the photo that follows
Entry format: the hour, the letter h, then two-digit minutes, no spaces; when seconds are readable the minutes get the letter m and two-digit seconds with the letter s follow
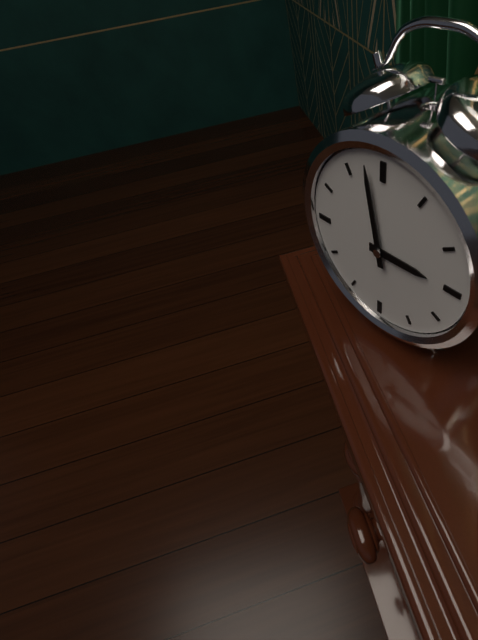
2h58
